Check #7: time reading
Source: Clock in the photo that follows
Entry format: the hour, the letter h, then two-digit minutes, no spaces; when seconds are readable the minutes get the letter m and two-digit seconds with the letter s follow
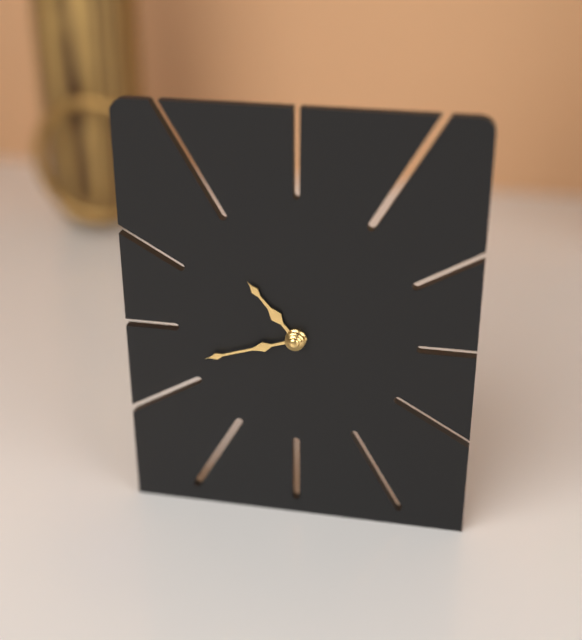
10h42
